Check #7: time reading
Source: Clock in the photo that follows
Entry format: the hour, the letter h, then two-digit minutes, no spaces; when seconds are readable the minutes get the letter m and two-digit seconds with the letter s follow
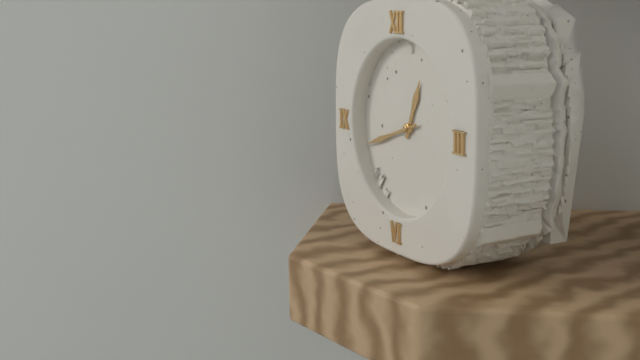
12h42
